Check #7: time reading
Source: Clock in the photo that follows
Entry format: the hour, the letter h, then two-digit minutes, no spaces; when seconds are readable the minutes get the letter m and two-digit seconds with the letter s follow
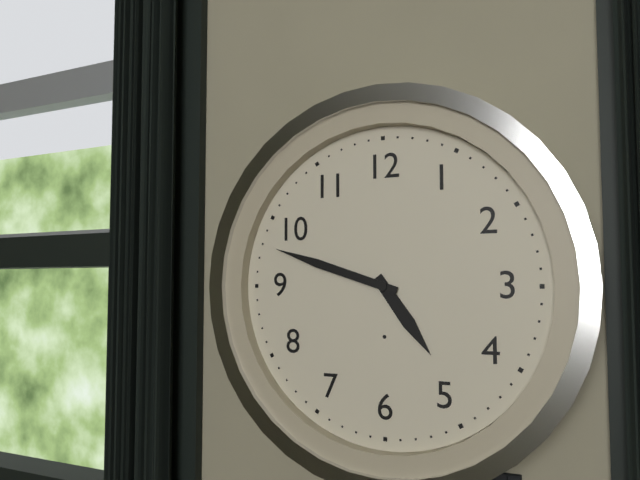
4h48
